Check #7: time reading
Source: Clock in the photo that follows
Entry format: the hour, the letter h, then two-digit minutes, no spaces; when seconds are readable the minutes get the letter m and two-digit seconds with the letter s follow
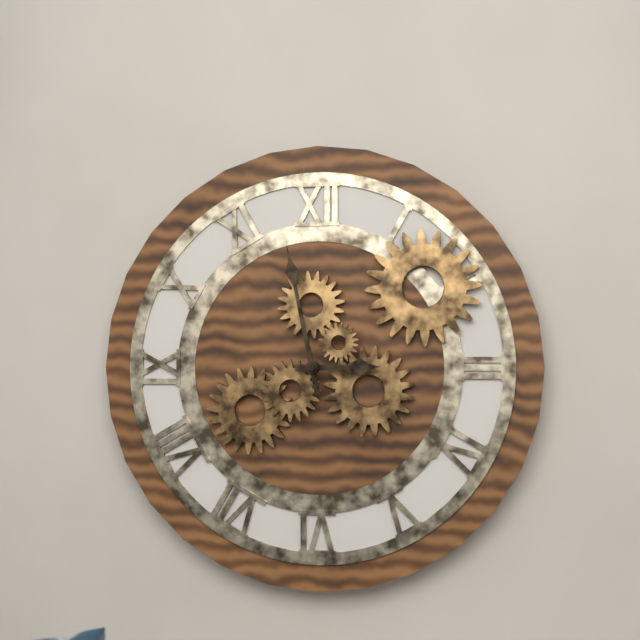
2h58
